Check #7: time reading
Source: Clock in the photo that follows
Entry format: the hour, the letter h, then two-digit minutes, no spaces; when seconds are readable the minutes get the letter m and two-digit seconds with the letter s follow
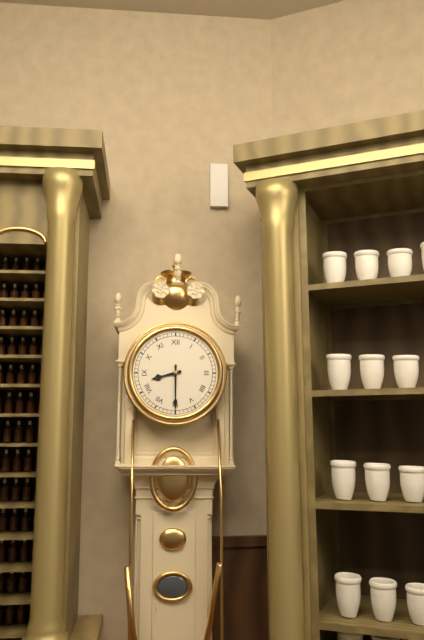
8h30
